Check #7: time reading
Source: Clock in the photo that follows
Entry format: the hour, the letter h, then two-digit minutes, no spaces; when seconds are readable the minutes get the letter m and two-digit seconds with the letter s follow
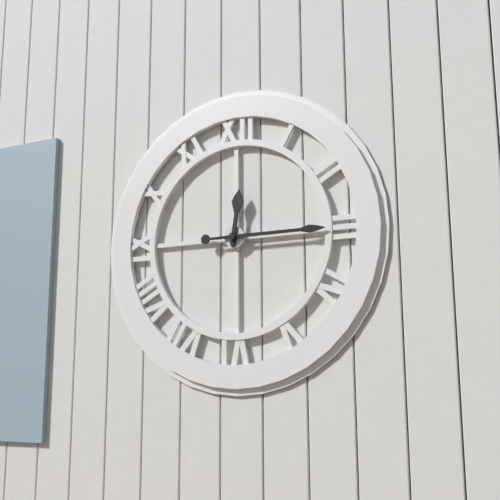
12h15
